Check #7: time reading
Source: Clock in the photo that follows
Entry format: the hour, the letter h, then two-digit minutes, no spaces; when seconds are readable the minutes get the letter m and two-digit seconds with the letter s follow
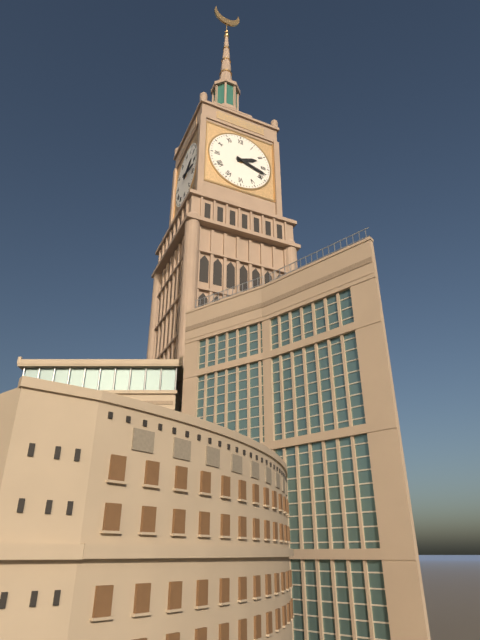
2h18
